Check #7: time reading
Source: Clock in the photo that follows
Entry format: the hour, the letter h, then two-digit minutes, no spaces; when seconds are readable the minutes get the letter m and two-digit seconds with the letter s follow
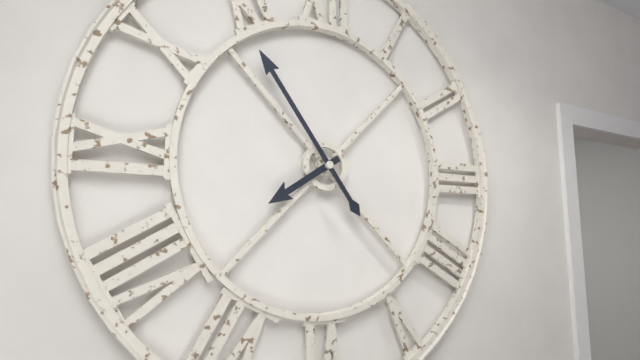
7h54
